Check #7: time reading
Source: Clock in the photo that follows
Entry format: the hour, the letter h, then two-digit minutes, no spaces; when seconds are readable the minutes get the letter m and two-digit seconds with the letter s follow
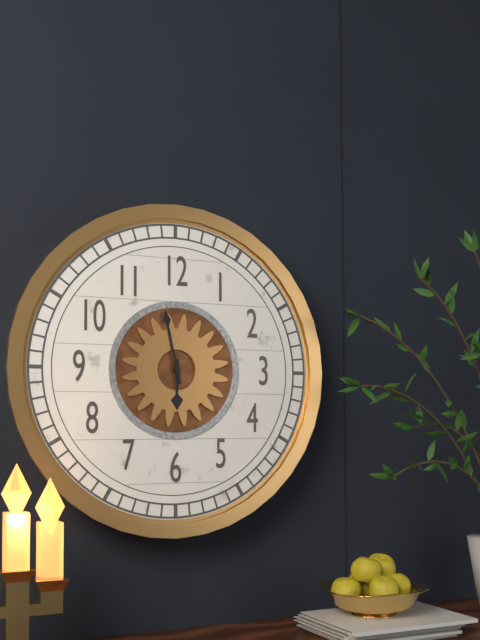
5h58
